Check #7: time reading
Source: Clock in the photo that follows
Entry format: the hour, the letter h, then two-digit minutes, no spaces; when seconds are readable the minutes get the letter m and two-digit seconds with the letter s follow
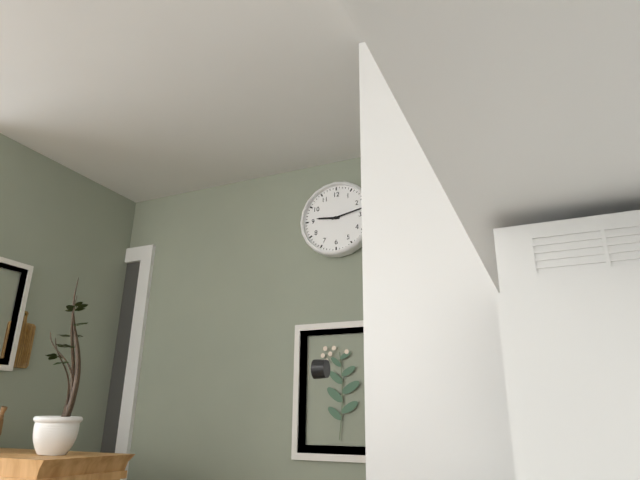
9h13
